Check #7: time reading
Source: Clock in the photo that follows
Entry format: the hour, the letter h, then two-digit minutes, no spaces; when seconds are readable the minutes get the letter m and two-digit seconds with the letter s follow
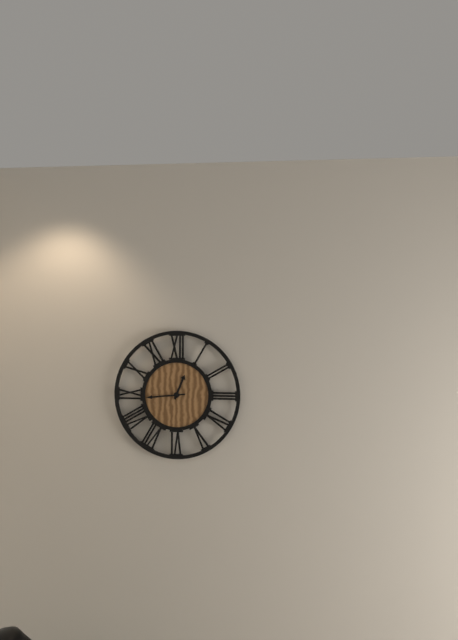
12h44
